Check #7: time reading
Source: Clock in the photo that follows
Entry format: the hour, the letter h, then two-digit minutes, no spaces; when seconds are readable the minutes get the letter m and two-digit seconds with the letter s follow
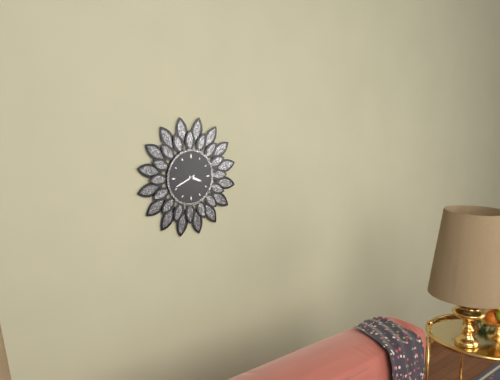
3h41
